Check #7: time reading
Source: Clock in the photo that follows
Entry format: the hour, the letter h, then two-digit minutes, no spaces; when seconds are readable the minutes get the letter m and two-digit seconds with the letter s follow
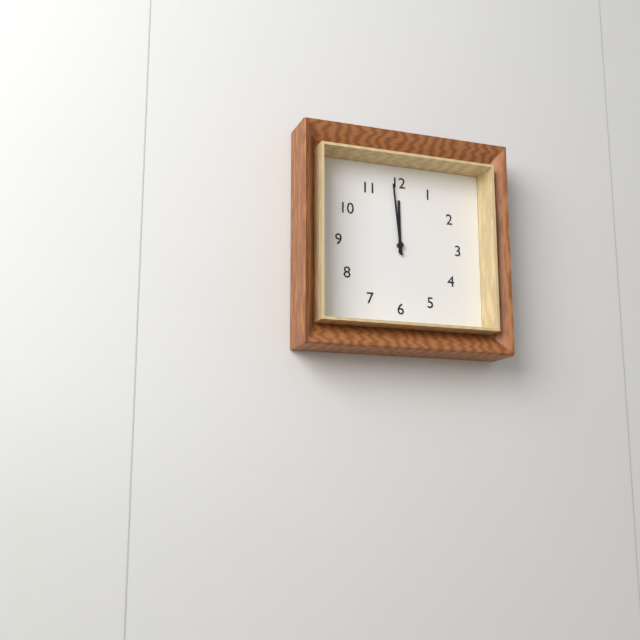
11h59
